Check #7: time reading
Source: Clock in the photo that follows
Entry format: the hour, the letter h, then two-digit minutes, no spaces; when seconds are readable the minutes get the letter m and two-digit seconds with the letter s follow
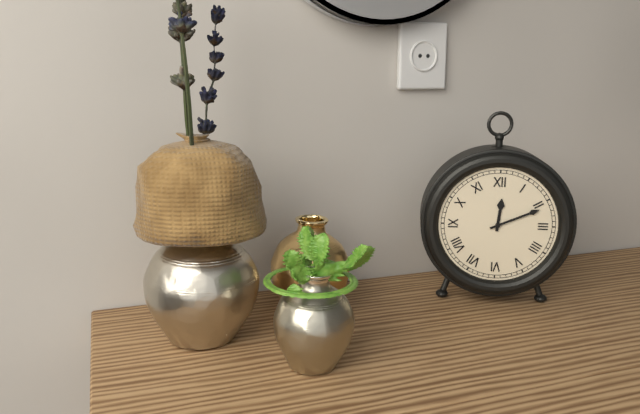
12h11
